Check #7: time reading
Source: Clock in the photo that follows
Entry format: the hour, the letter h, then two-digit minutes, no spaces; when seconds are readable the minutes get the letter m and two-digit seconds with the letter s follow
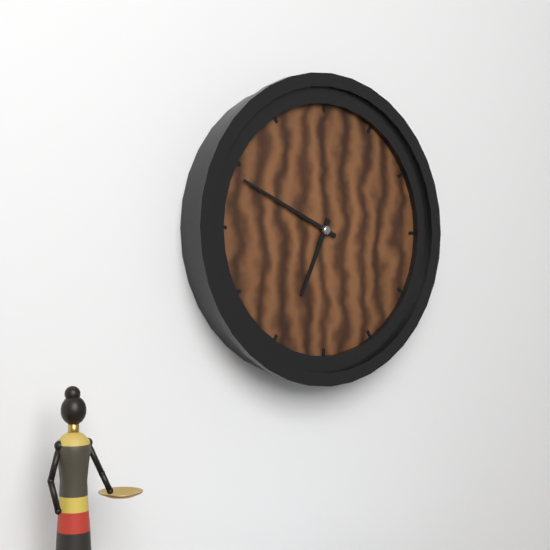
6h49
